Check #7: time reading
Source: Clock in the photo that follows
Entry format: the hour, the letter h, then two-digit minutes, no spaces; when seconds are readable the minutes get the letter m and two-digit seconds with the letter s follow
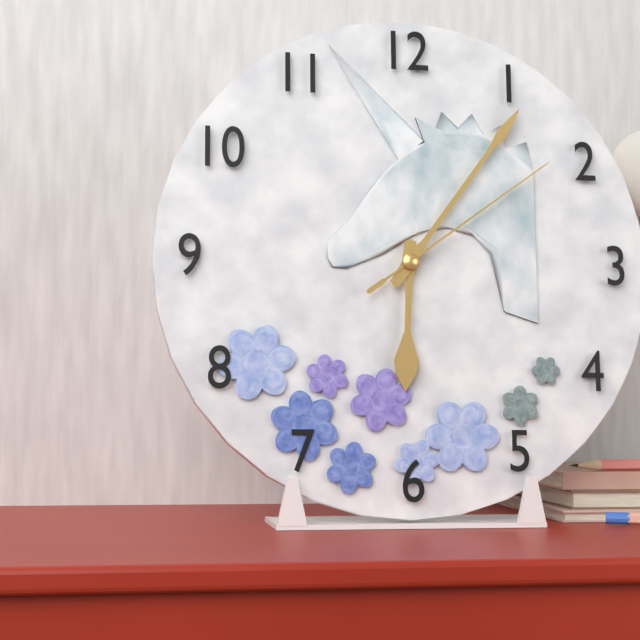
6h06m09s
